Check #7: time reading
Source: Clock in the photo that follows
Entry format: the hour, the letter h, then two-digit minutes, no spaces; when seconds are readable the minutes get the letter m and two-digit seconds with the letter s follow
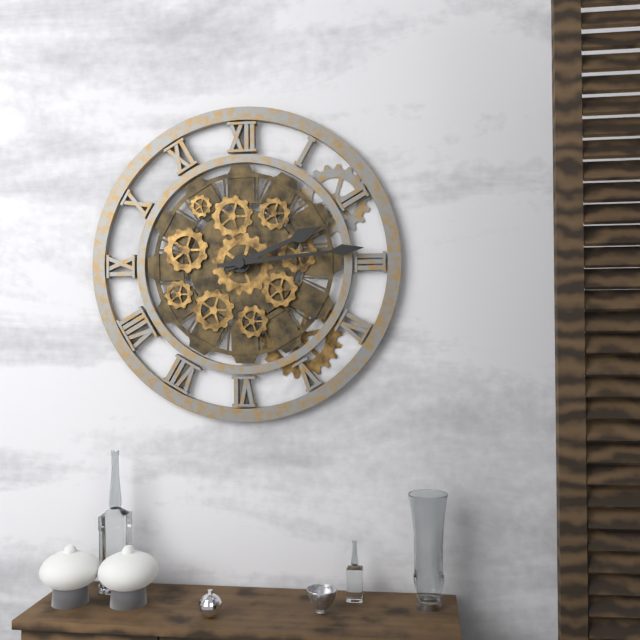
2h14
